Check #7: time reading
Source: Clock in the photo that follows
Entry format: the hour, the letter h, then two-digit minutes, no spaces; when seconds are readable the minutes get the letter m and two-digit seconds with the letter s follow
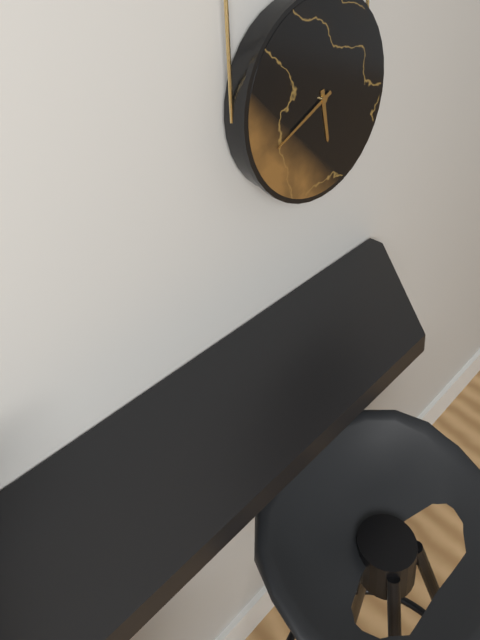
5h41
